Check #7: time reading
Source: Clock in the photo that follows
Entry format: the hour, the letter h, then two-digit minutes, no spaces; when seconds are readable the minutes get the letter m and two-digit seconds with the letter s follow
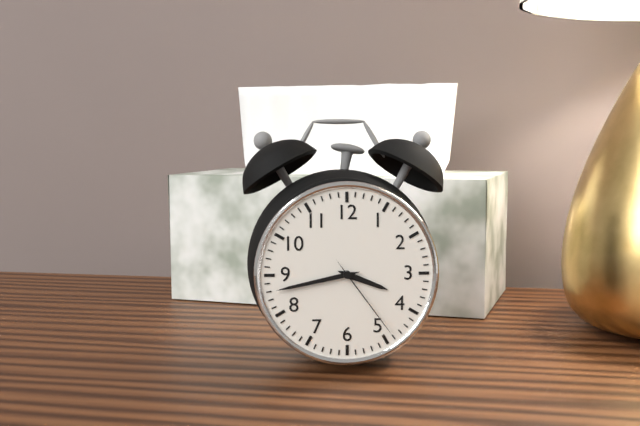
3h43m24s
